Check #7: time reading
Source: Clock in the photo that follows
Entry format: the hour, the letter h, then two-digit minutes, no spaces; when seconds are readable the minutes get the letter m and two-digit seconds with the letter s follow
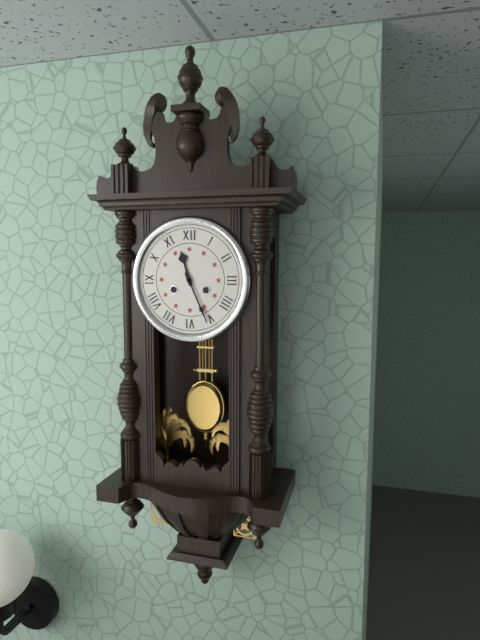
11h26
